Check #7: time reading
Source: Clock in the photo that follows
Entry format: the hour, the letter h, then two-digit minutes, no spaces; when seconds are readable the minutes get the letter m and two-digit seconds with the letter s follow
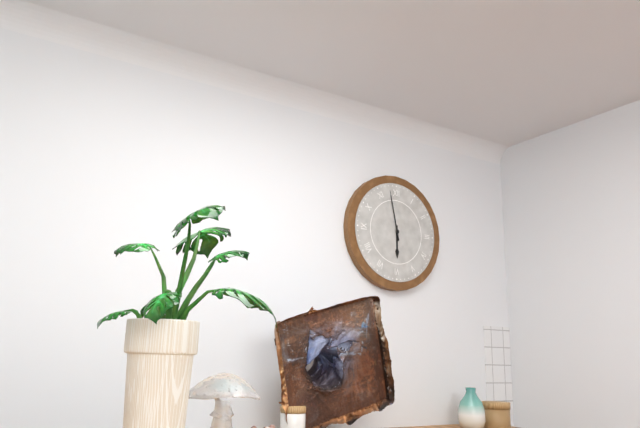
5h58
